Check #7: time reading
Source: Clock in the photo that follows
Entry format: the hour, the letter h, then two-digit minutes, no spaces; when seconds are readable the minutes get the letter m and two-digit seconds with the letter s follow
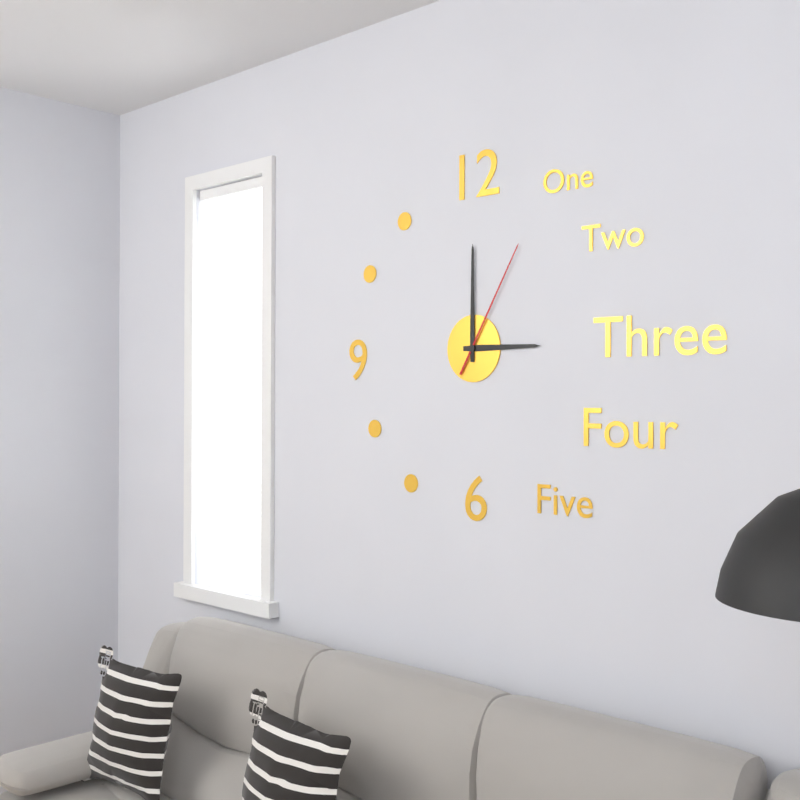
3h00m05s
